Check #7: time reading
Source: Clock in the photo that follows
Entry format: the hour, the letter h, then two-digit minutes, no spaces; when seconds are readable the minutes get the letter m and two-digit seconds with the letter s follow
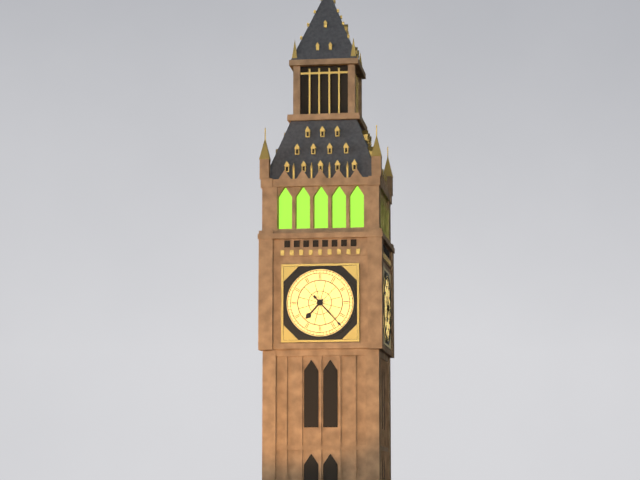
7h23
